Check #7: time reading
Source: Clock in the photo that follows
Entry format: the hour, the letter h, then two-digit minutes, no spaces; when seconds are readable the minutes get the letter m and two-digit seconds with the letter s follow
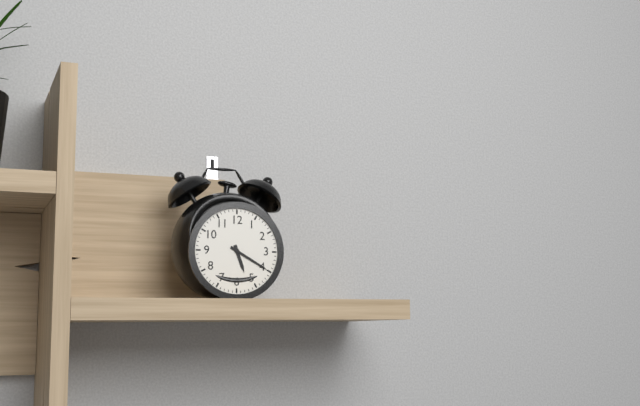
5h20
